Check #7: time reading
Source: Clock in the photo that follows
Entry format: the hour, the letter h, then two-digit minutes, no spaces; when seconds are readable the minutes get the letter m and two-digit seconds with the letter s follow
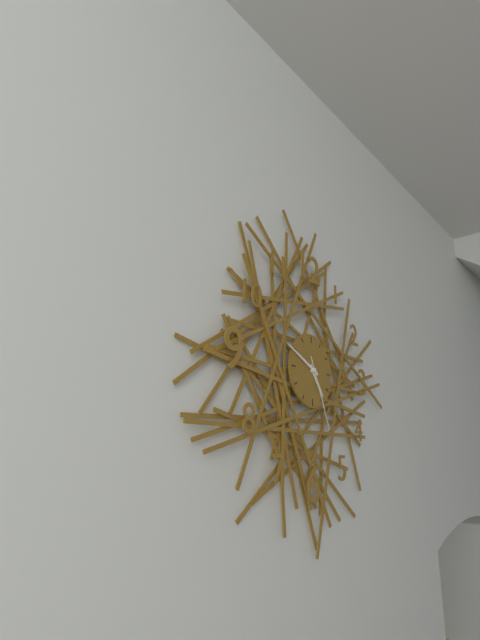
4h49m26s
